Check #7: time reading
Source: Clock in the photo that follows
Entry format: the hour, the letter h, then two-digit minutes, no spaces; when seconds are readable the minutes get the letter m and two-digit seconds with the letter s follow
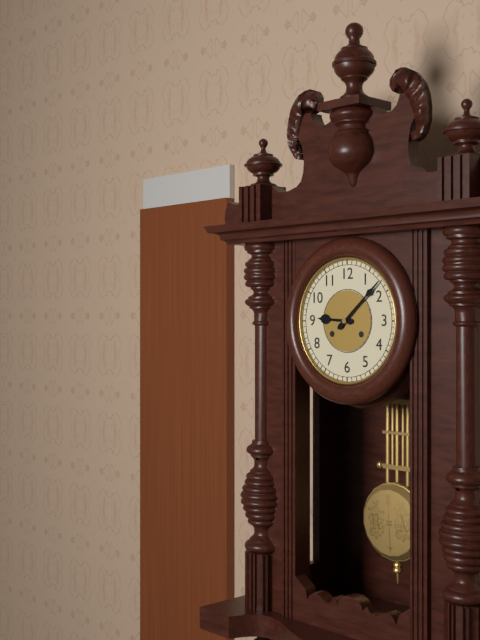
9h08
